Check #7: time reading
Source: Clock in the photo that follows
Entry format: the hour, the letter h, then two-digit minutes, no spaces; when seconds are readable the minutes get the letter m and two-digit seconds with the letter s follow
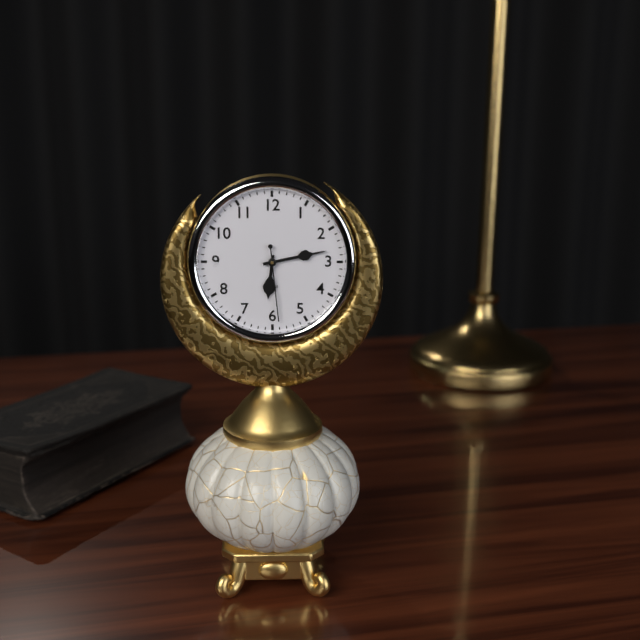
6h13m29s
